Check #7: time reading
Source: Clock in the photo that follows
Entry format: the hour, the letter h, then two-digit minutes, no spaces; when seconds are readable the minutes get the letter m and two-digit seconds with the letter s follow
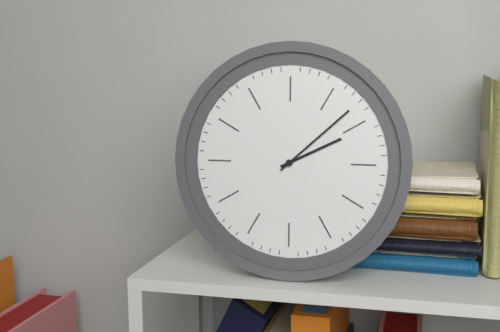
2h08
